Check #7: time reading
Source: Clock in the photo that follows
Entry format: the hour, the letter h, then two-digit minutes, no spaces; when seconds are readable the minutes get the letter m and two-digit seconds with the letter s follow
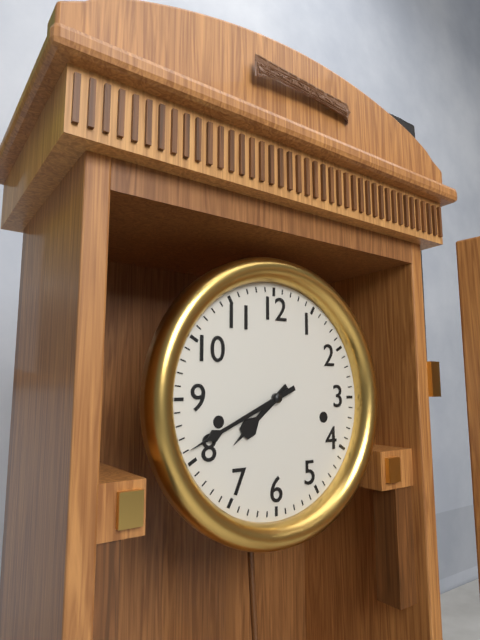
7h41
